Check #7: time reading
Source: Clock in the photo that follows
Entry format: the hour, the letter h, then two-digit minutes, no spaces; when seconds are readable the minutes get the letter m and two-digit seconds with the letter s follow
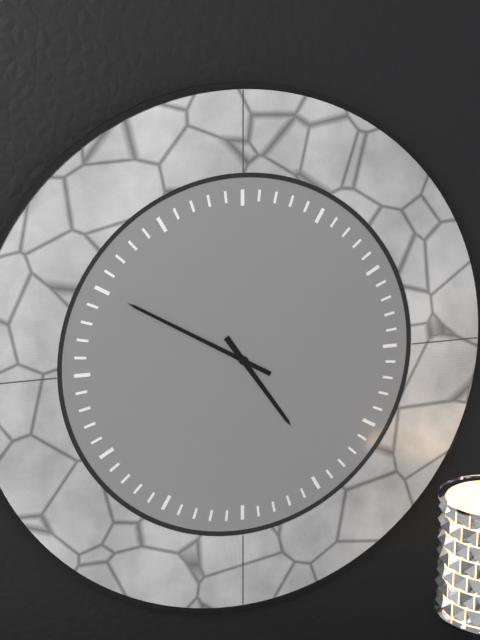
4h50
